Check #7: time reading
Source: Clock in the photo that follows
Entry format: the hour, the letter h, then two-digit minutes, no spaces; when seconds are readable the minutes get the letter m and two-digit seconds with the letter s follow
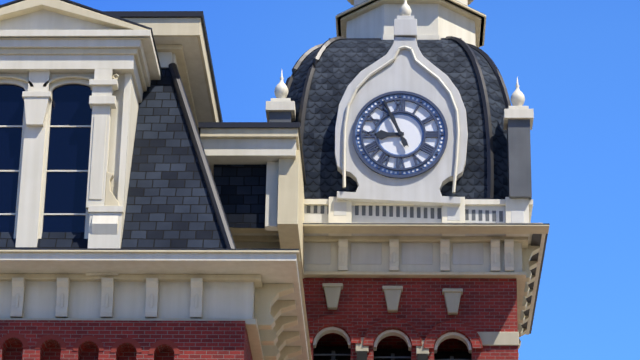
8h56
